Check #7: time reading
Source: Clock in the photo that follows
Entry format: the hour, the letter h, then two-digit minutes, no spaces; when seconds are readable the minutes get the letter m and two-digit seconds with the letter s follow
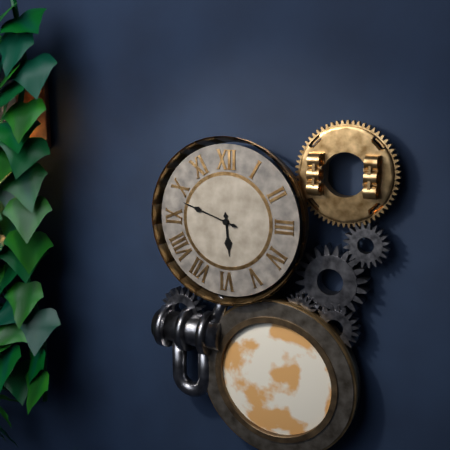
5h48
